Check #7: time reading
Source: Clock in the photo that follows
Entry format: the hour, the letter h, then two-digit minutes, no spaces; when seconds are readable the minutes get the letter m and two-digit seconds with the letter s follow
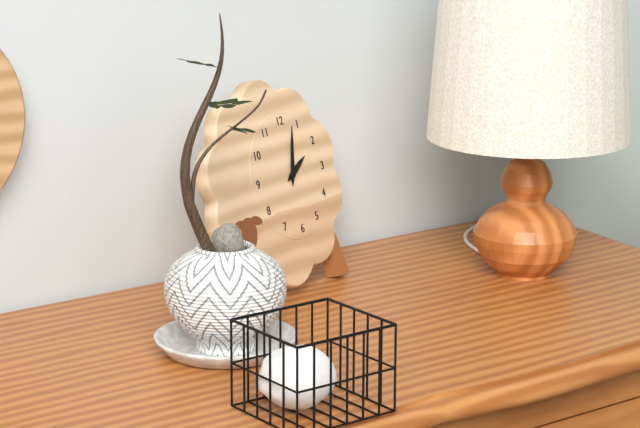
2h03
